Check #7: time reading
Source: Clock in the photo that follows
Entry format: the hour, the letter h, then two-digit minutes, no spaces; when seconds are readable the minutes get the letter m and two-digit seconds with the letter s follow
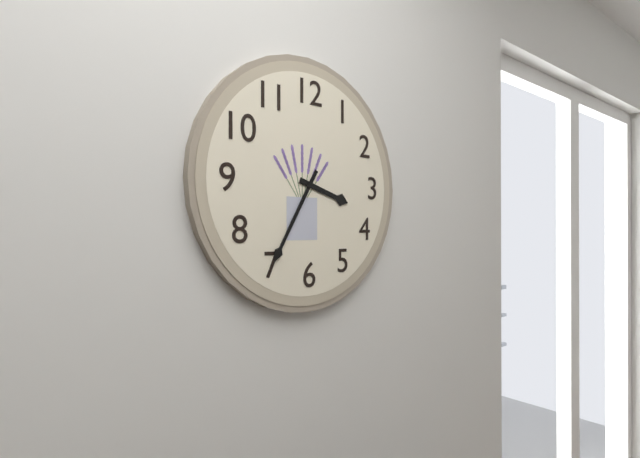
3h35
